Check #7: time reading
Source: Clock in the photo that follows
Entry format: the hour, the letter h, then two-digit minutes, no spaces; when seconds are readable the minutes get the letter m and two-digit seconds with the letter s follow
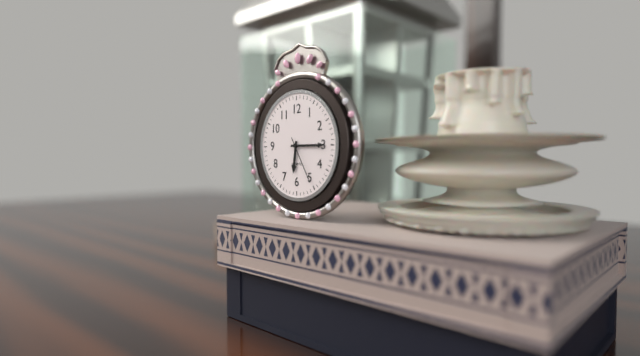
6h15
